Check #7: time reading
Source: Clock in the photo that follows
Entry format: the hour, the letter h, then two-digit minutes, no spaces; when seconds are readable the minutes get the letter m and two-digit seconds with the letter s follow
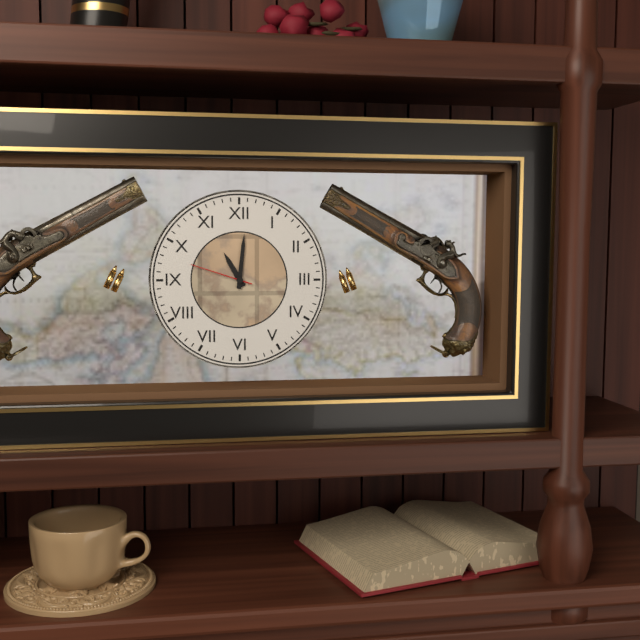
11h01m48s
